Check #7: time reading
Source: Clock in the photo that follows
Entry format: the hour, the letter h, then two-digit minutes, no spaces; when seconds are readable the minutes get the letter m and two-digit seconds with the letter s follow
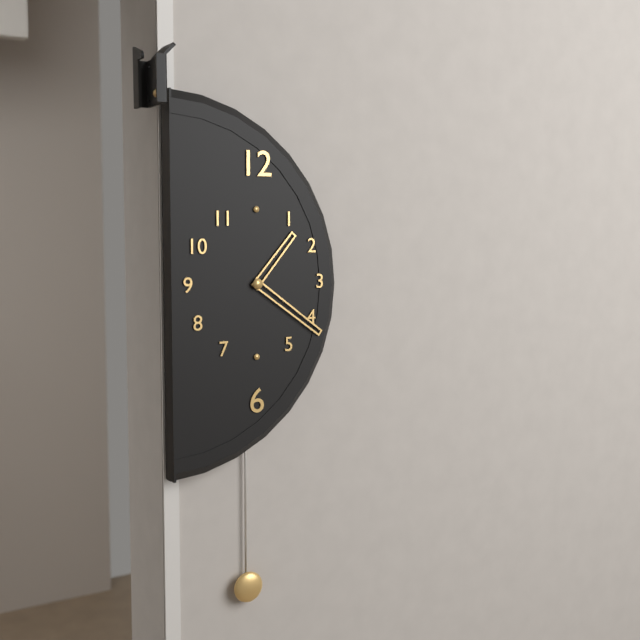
1h21
